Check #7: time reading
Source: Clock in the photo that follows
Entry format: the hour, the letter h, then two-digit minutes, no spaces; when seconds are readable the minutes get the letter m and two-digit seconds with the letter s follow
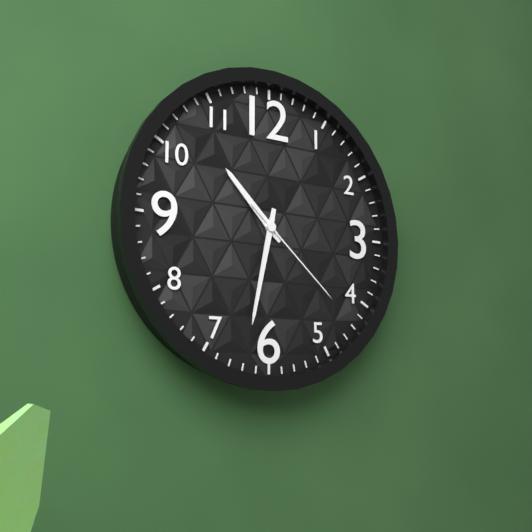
10h32m22s
